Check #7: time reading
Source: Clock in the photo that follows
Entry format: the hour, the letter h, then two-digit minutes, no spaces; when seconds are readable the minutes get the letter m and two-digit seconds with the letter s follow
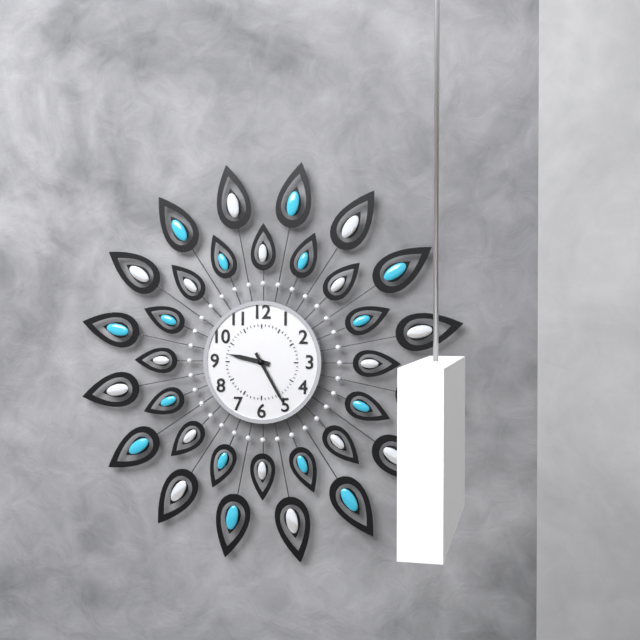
9h25
